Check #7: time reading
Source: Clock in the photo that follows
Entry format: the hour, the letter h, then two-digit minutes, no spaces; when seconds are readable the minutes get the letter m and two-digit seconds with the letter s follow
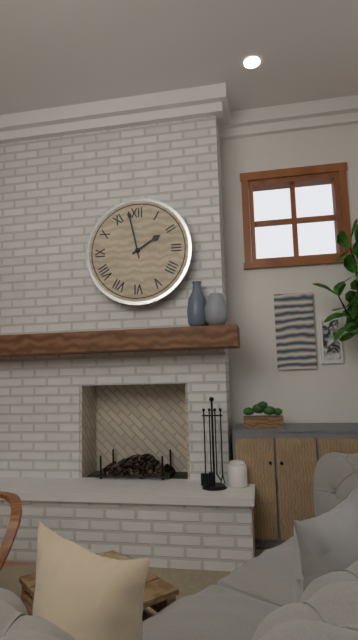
1h58
